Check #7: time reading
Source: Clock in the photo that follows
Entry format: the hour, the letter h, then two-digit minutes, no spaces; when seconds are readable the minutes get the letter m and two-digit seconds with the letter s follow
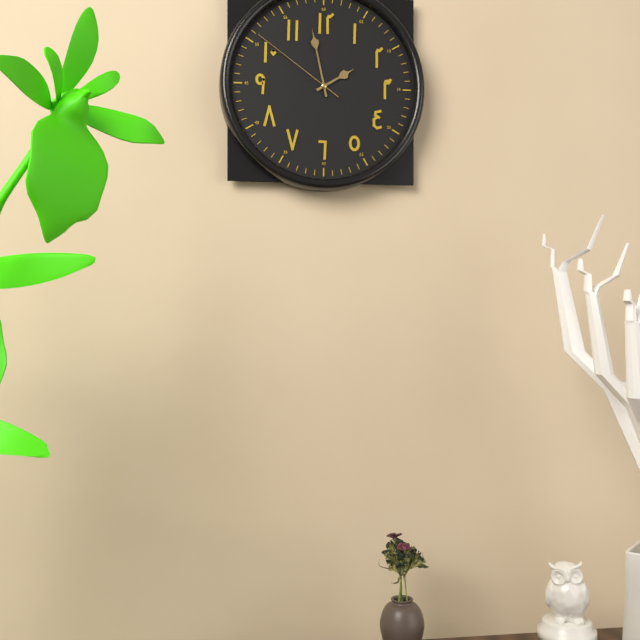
1h58m51s
